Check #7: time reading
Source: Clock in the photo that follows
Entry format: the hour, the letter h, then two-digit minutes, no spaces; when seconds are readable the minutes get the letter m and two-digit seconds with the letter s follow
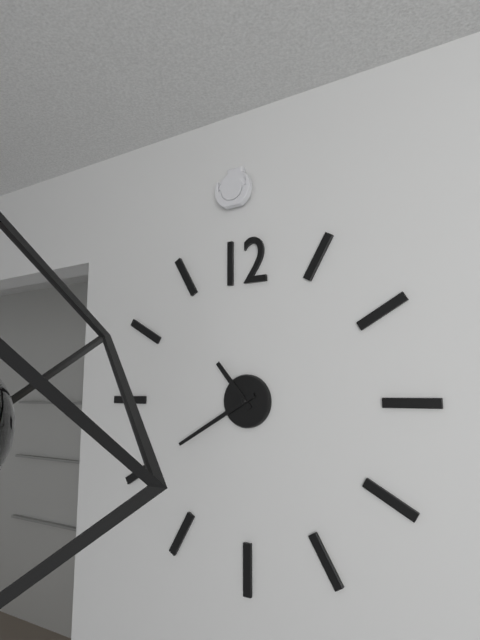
10h40
